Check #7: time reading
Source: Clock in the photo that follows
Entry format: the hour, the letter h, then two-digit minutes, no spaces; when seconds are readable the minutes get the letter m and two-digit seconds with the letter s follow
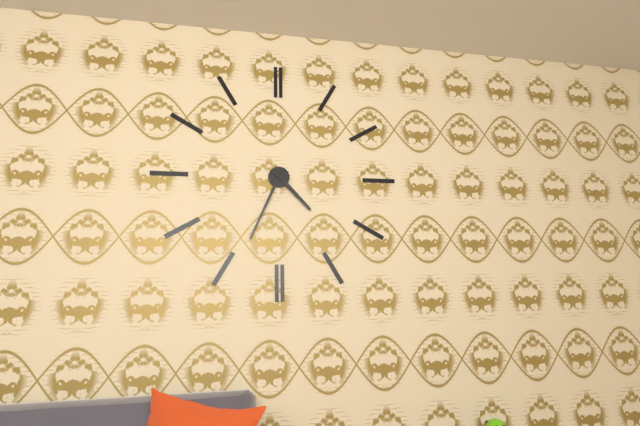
4h34
